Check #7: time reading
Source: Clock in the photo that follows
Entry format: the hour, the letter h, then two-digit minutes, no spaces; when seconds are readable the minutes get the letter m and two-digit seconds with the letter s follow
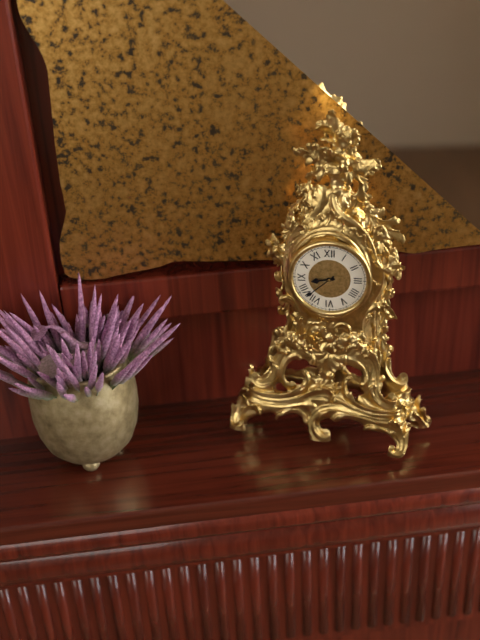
8h38
